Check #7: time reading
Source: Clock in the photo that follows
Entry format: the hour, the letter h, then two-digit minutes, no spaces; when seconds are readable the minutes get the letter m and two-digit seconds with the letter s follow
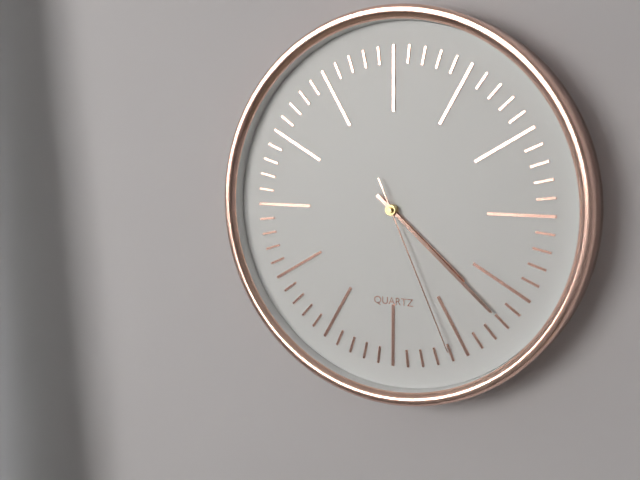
4h22m26s
